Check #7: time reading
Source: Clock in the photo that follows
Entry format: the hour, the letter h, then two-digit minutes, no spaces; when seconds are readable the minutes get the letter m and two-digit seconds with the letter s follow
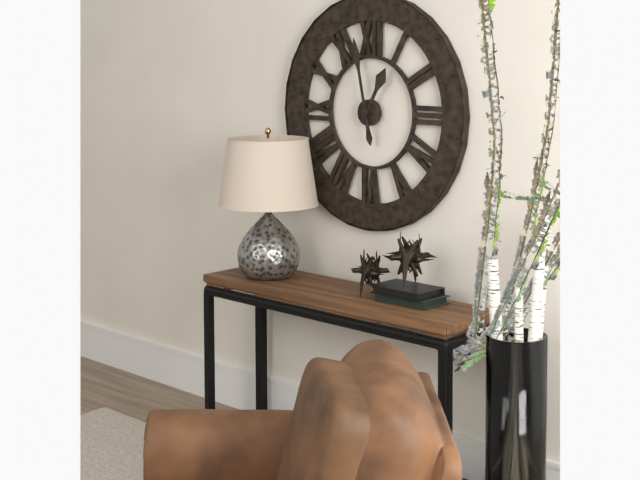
12h58
